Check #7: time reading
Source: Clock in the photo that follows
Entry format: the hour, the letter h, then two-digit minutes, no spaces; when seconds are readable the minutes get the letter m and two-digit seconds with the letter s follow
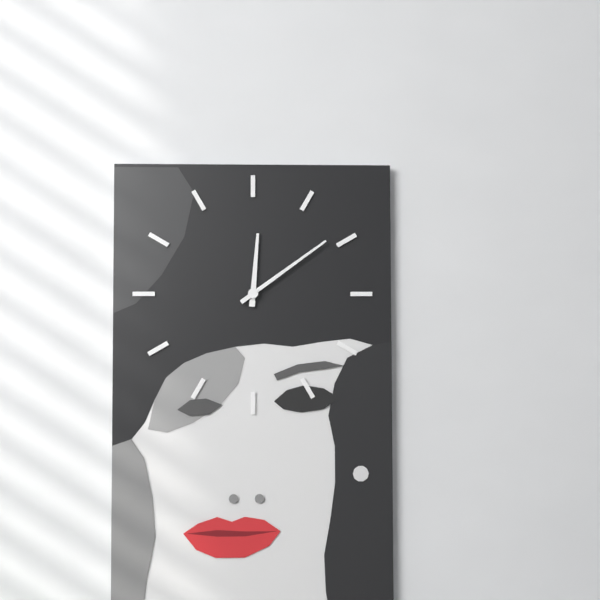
12h09
